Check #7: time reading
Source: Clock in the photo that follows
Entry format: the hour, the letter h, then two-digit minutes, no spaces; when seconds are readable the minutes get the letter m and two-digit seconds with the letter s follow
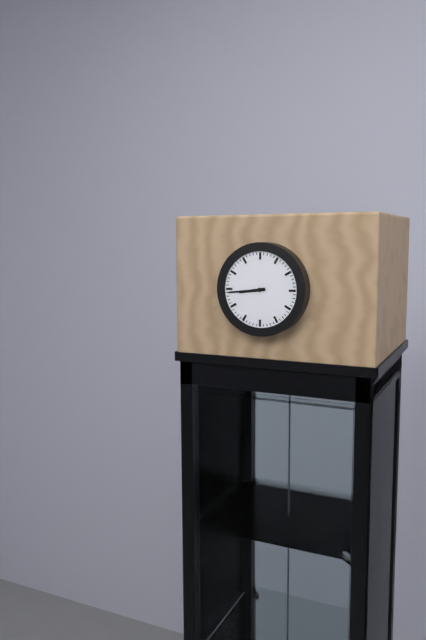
8h44
